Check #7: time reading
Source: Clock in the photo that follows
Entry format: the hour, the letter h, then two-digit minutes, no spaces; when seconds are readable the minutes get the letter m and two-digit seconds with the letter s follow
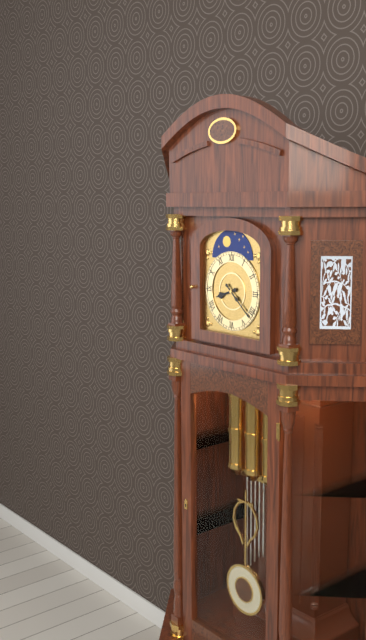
8h22
